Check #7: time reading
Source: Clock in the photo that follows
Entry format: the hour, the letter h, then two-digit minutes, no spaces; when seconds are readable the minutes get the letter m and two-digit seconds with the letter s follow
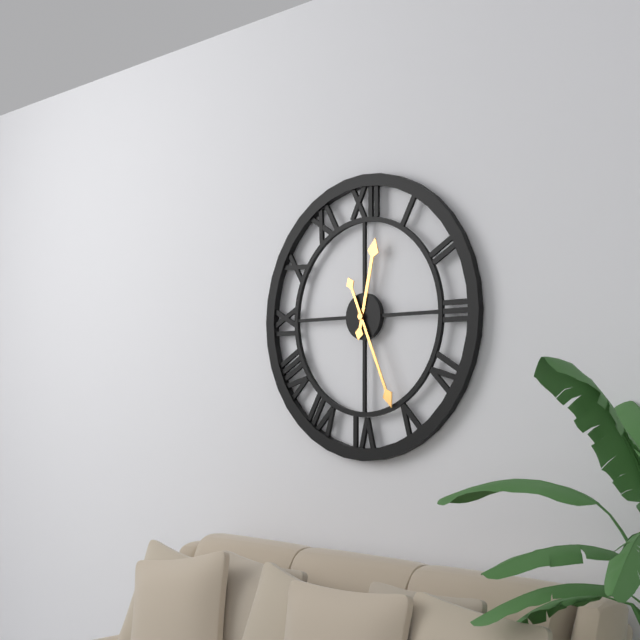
12h26
